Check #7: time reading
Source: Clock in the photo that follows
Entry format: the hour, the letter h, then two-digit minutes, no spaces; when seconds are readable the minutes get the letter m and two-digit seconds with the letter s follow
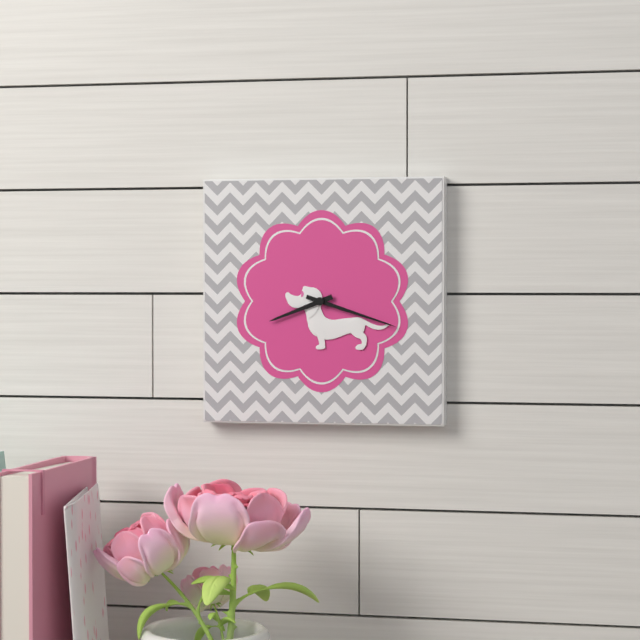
8h18
